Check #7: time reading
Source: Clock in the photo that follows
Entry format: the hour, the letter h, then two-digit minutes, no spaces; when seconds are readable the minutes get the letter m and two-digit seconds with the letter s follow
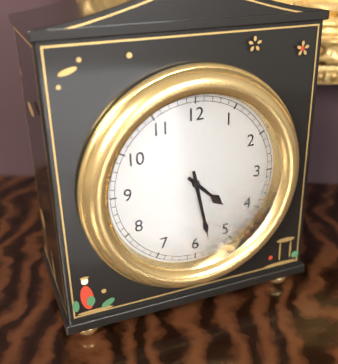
4h28
